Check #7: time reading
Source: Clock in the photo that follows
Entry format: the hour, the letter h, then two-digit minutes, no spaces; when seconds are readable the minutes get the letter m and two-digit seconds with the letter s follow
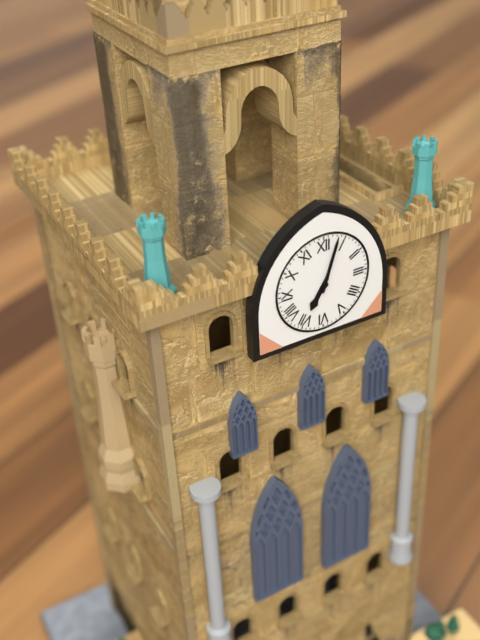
7h03
